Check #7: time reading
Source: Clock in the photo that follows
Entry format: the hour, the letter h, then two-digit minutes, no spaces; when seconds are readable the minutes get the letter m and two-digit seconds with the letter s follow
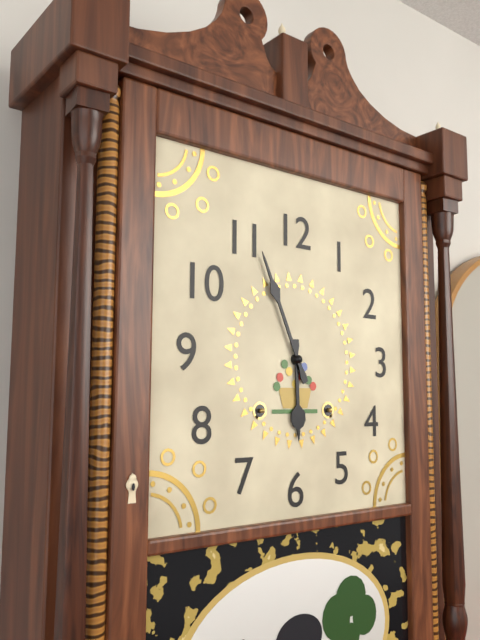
5h56
